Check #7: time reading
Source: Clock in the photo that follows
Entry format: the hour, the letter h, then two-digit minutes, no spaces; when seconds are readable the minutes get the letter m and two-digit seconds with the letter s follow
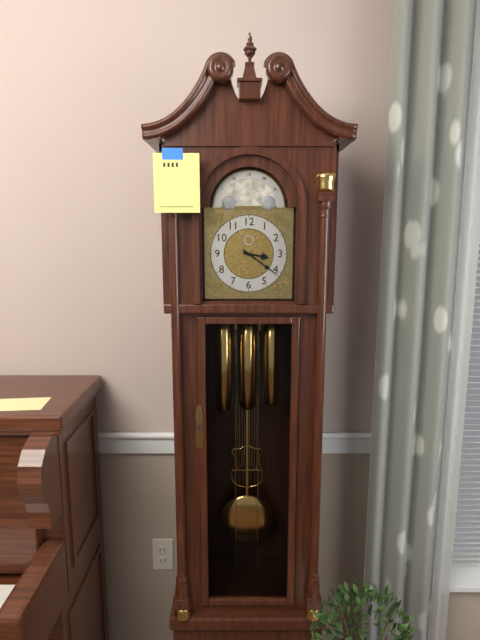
3h21
